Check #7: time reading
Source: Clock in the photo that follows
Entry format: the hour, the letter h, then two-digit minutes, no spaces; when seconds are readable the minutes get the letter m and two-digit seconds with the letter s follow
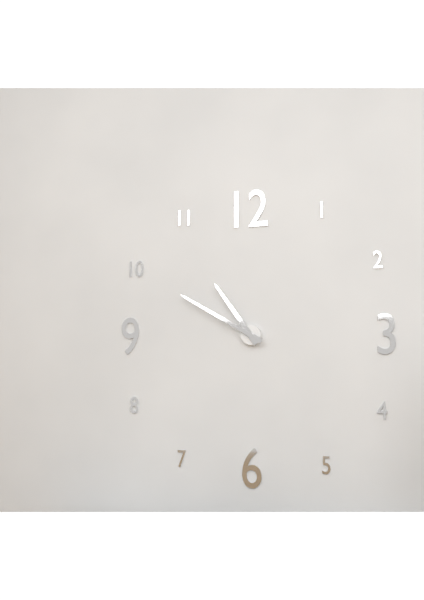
10h50
